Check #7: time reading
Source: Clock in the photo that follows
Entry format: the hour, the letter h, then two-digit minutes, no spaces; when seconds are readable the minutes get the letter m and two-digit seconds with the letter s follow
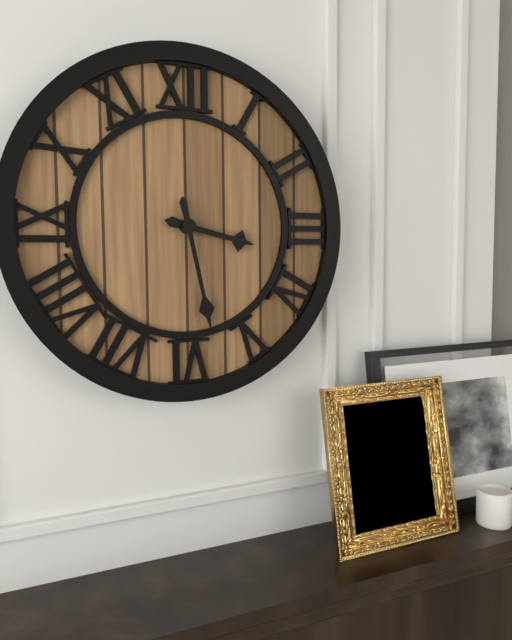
3h28
